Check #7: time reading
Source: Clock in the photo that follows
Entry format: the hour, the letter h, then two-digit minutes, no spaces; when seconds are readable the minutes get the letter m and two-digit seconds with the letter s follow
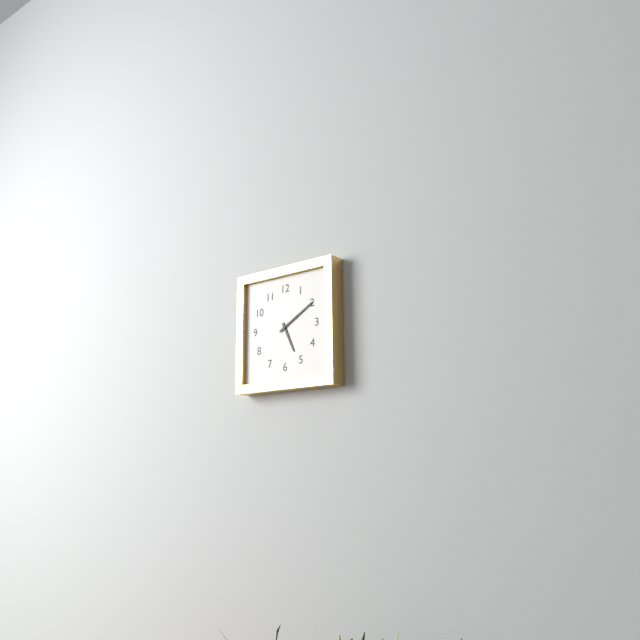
5h10
